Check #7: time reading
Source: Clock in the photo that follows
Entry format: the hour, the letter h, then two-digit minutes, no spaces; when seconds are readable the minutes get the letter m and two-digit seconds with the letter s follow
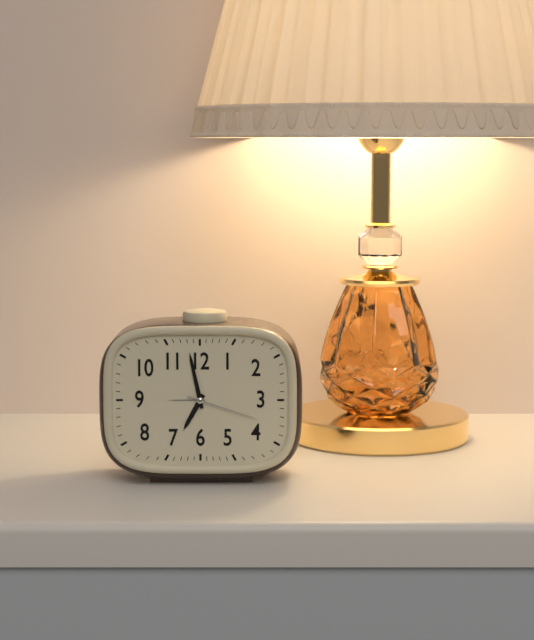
6h58m18s
